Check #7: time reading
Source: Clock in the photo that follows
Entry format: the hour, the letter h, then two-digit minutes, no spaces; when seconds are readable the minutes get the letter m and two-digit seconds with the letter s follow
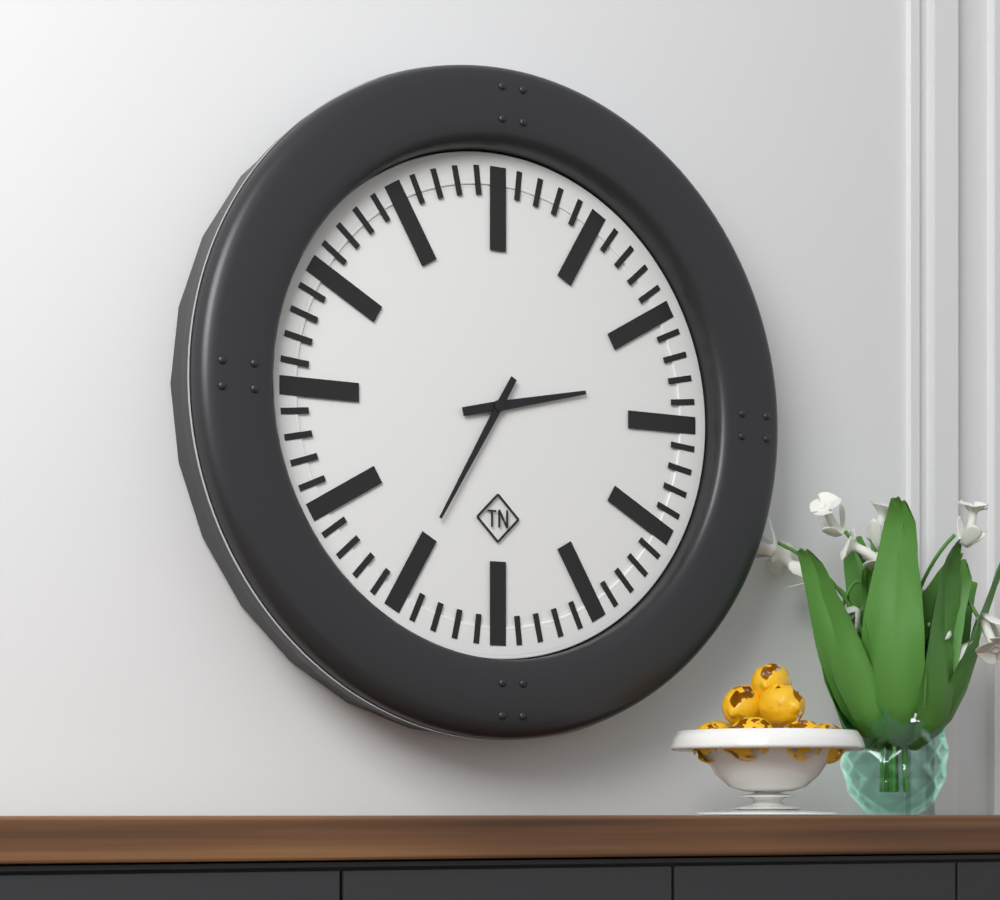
2h35
